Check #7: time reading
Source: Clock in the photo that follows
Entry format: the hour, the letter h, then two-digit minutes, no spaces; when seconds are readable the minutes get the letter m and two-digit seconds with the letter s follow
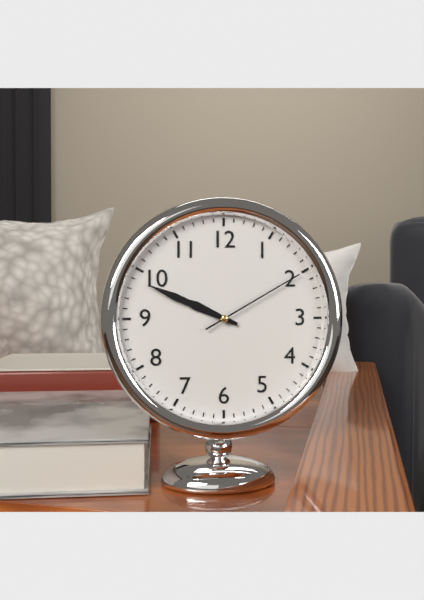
9h49m10s
